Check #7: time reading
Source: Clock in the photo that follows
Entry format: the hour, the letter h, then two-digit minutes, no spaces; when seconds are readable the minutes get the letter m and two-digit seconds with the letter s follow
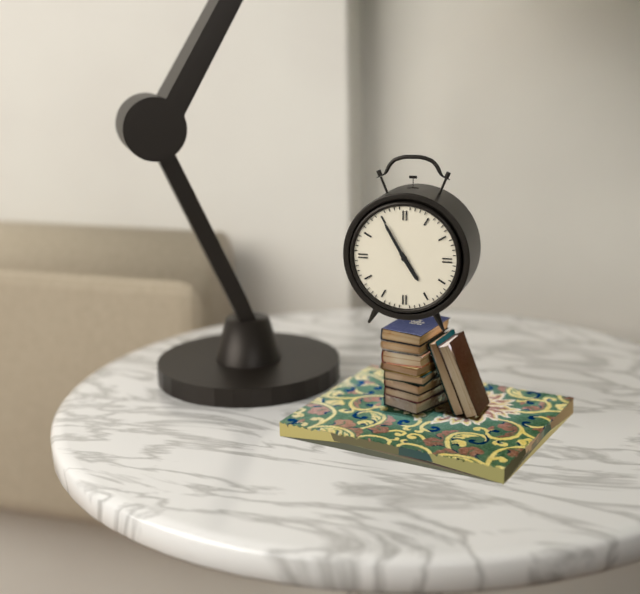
4h55
